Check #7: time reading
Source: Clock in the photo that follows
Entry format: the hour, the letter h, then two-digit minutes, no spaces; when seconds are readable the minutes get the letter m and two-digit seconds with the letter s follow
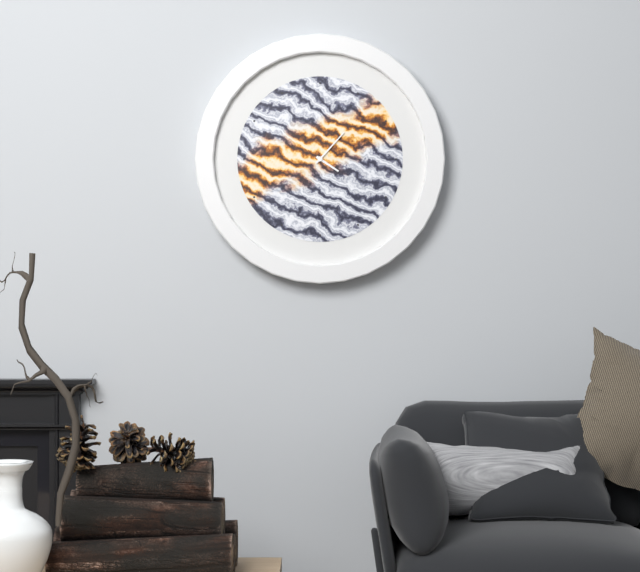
4h07
